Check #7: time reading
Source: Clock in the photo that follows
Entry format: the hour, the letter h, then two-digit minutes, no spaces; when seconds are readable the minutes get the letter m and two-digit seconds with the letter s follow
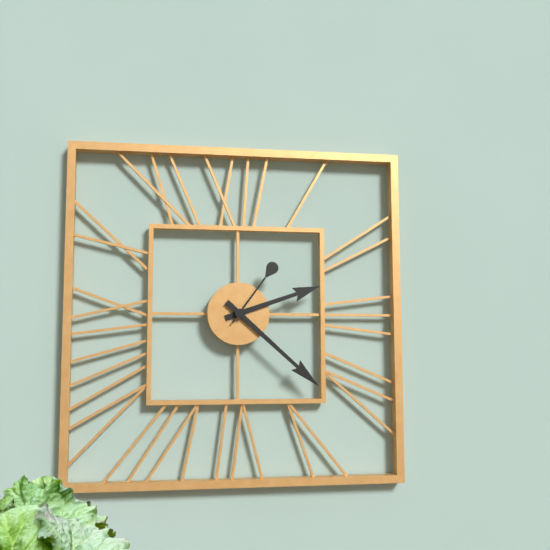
2h22m06s
